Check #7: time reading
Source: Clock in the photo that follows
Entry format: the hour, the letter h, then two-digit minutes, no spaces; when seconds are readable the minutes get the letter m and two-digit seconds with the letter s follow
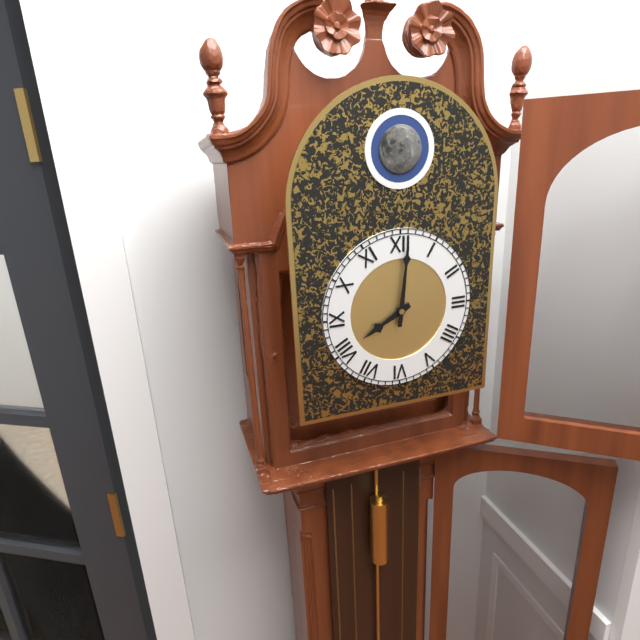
8h01
